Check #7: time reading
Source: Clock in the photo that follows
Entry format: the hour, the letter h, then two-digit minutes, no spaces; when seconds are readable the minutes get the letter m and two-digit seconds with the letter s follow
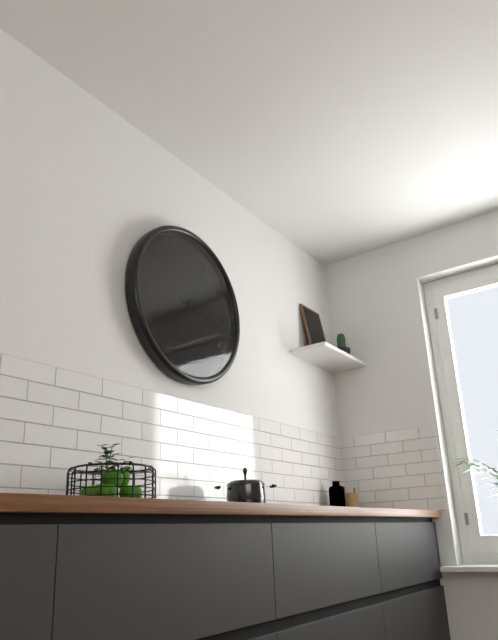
7h17m05s
